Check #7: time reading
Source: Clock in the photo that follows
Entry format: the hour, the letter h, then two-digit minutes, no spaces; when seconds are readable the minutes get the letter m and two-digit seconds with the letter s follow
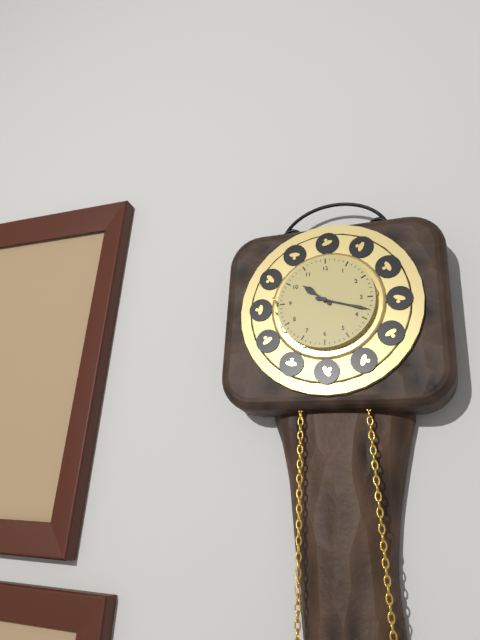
10h18
